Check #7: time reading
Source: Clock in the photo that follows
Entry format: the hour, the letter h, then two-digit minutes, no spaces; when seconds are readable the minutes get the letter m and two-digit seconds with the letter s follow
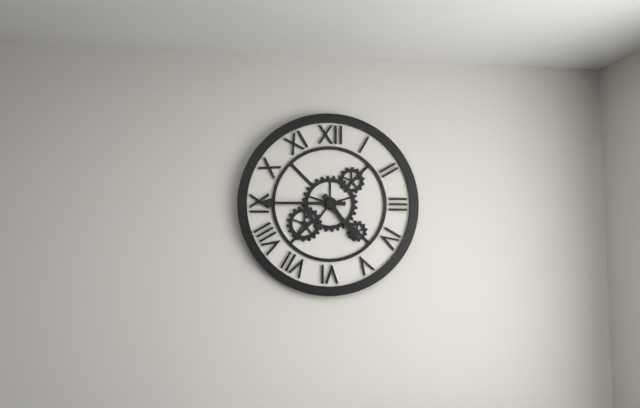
4h45
